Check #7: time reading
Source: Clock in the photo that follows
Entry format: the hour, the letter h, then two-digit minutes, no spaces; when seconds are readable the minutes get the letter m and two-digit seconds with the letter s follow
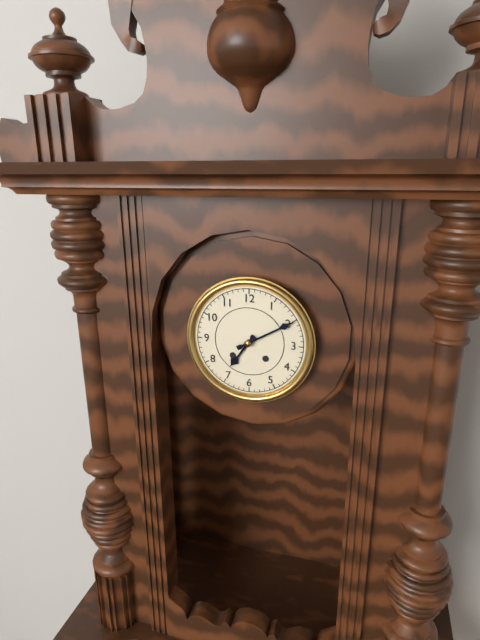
7h10
